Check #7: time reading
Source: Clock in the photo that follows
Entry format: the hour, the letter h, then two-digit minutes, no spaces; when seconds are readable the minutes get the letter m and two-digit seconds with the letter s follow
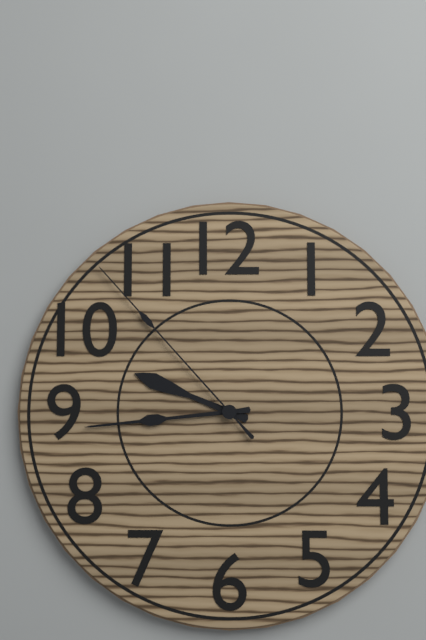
9h44m53s
